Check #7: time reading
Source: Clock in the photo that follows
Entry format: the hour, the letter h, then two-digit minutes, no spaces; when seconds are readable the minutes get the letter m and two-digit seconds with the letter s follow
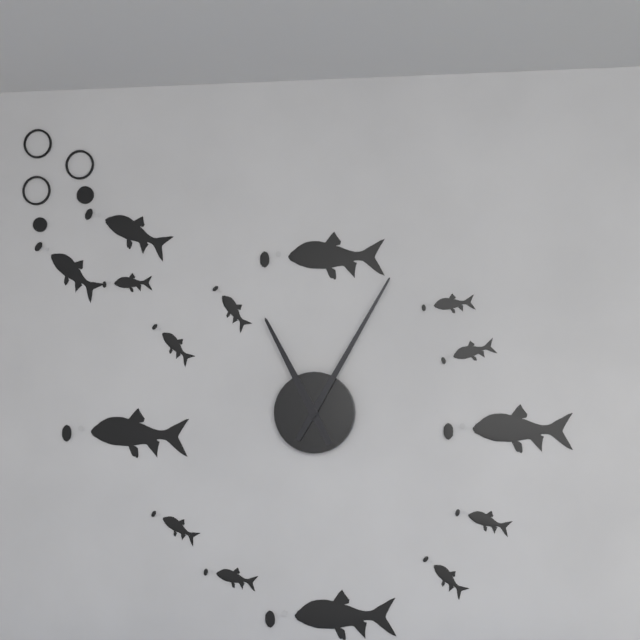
11h05
